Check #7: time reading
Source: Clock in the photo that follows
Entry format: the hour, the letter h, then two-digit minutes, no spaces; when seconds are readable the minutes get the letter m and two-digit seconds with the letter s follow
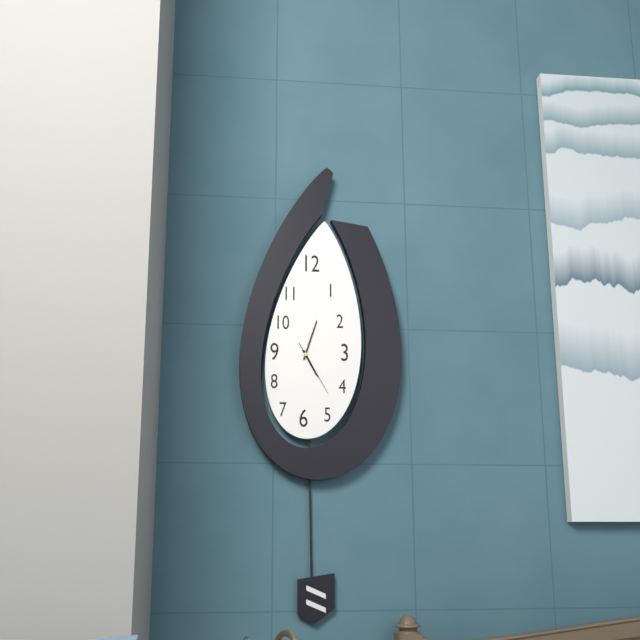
5h03m25s
